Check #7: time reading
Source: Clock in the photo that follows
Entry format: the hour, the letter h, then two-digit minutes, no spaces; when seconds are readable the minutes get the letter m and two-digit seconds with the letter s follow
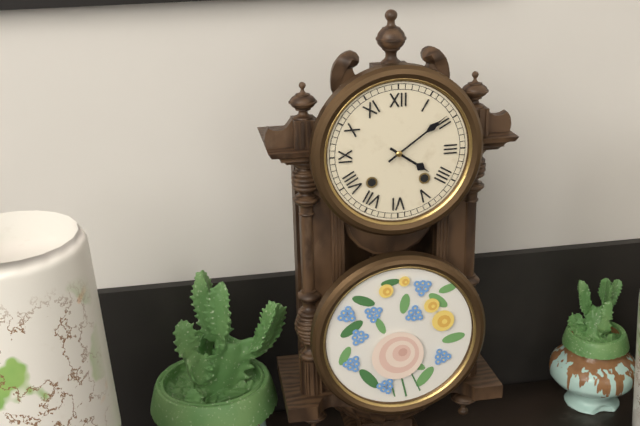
4h09
